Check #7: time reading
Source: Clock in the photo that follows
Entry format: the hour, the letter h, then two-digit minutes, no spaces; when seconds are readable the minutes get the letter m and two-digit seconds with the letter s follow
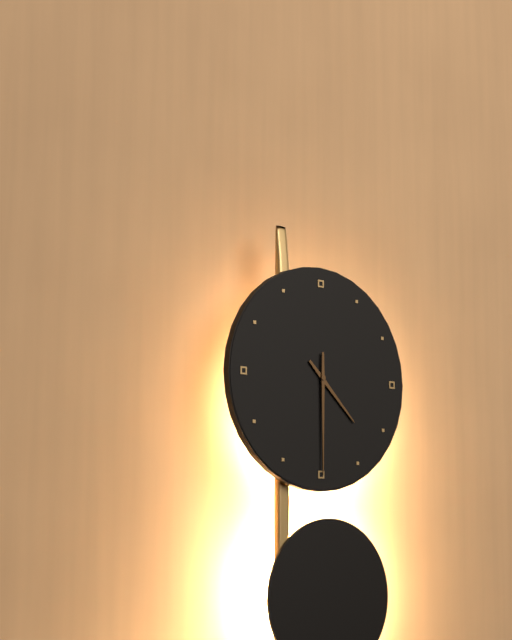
4h30
